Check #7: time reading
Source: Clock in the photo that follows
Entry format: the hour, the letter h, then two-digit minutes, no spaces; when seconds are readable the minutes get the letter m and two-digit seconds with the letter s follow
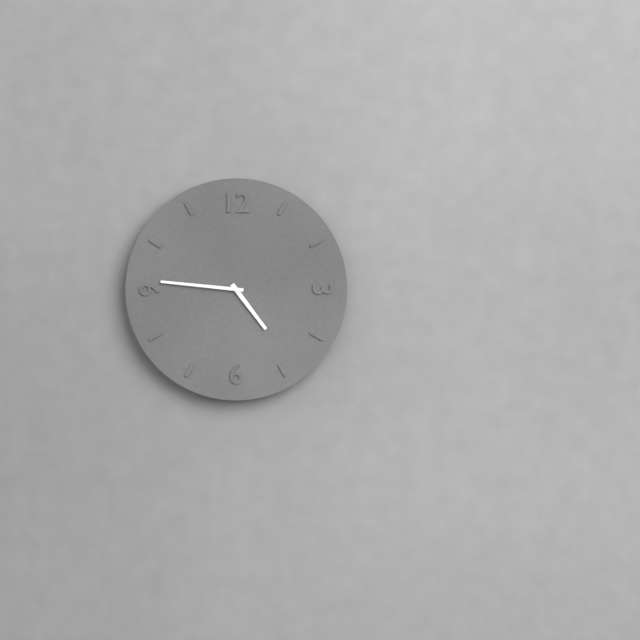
4h46
